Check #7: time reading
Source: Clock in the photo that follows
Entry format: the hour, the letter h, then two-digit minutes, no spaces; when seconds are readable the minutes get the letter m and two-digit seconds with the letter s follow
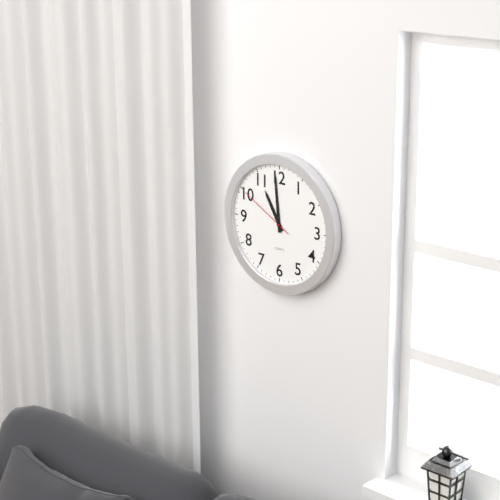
10h59m50s
